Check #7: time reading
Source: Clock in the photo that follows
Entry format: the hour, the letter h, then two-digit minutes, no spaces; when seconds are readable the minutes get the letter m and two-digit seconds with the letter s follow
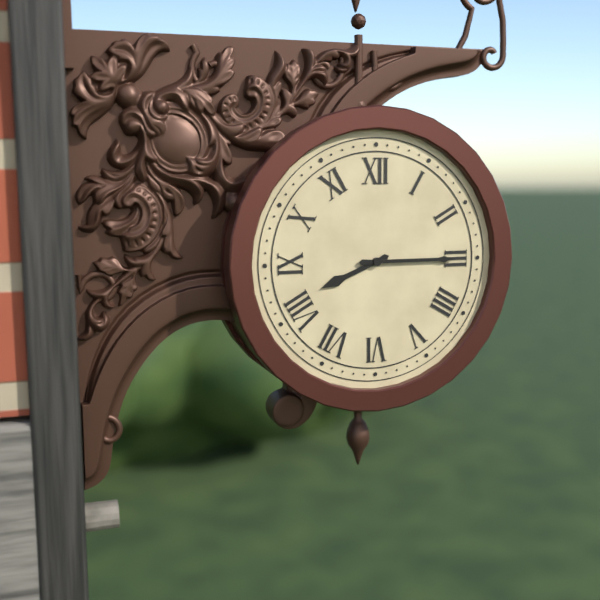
8h15
